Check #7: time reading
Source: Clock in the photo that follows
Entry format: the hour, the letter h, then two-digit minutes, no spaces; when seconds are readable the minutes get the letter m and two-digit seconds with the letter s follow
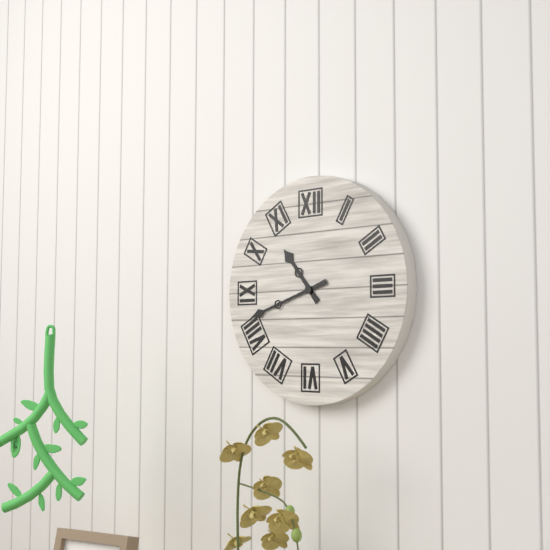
10h42
